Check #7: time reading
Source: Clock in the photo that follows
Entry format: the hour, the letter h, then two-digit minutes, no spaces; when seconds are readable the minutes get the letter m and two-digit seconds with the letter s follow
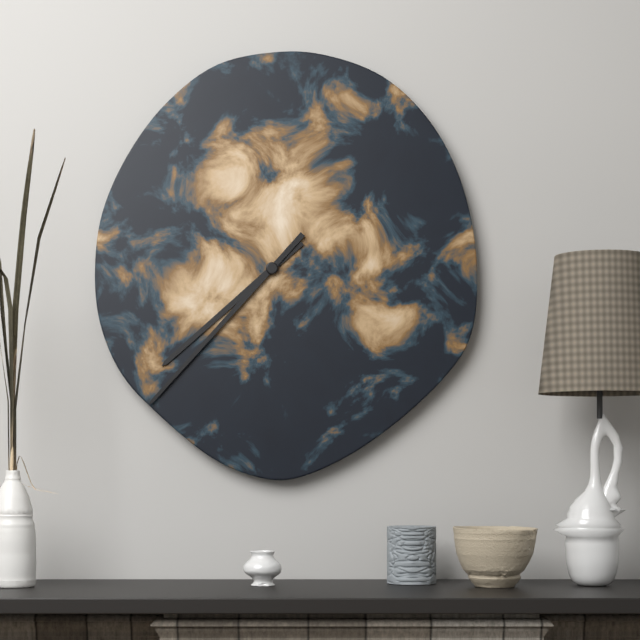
7h37
